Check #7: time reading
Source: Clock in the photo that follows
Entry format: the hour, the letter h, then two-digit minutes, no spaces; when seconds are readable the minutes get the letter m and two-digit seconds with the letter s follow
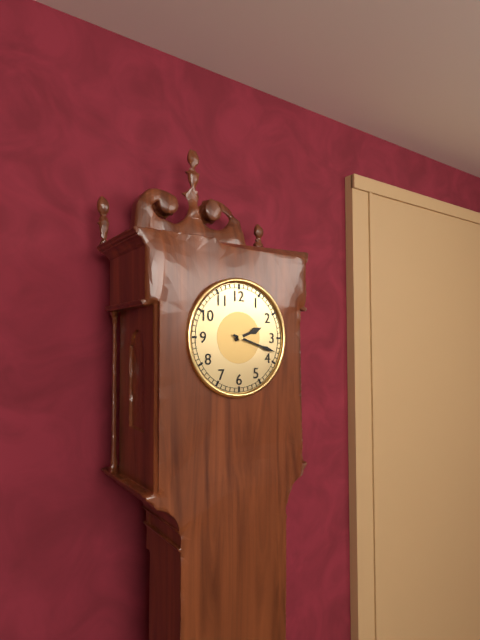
2h18
